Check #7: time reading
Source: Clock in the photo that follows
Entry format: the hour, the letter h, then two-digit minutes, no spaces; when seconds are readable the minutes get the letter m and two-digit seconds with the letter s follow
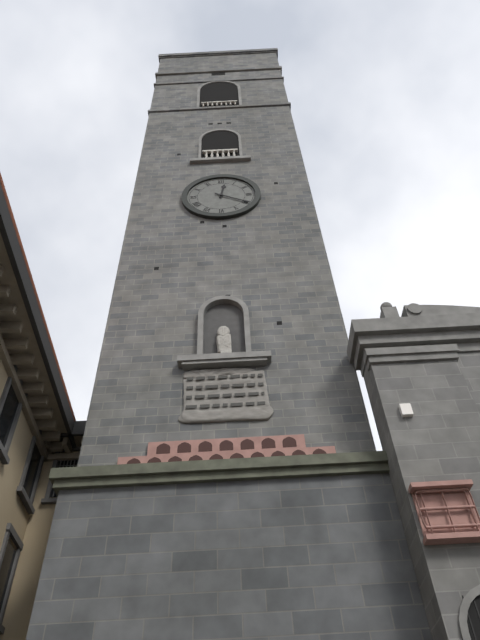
12h20
